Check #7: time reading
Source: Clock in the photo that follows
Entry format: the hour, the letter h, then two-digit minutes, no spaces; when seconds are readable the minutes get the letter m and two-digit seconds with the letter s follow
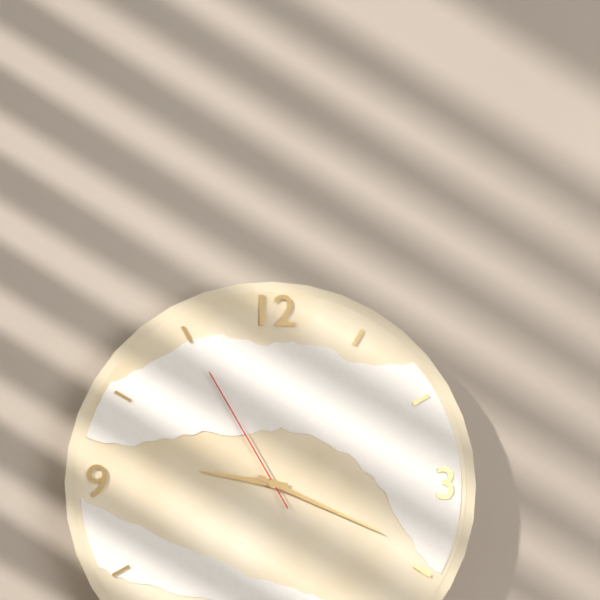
9h19m55s
